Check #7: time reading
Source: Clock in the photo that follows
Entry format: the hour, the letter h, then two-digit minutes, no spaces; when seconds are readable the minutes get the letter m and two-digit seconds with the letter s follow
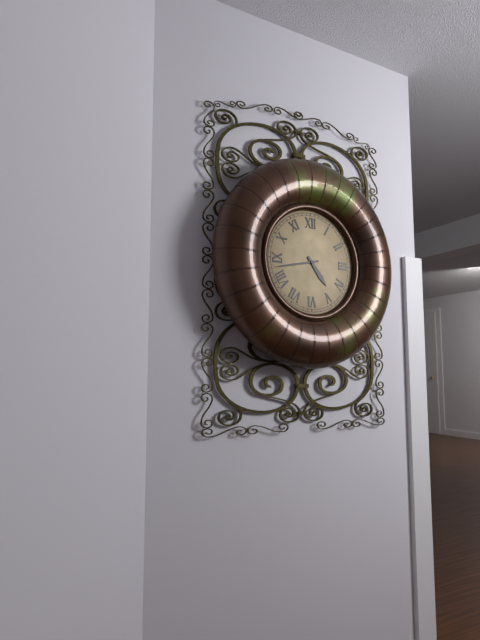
4h43
